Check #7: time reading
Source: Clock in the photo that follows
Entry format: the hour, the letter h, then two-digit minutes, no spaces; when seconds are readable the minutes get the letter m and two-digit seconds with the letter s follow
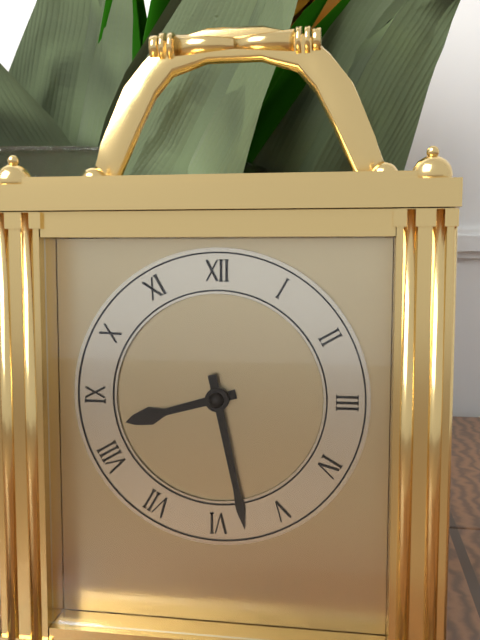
8h28
